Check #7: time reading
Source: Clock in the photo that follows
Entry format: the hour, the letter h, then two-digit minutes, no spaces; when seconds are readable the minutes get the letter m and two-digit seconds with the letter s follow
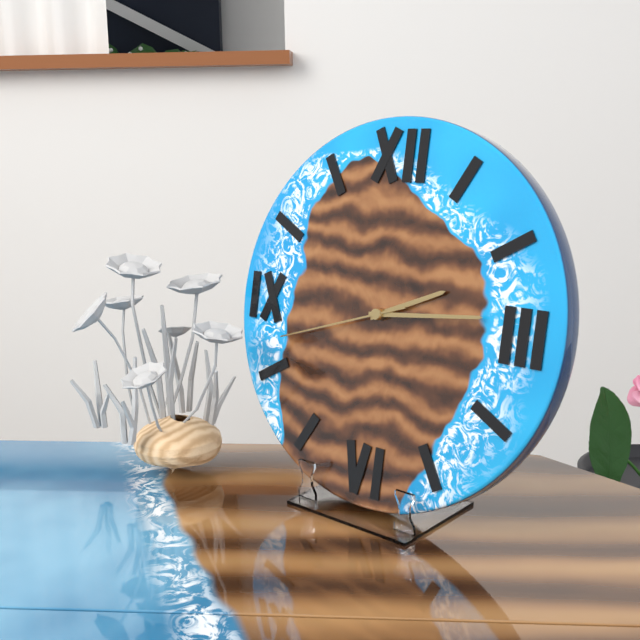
2h14m42s
